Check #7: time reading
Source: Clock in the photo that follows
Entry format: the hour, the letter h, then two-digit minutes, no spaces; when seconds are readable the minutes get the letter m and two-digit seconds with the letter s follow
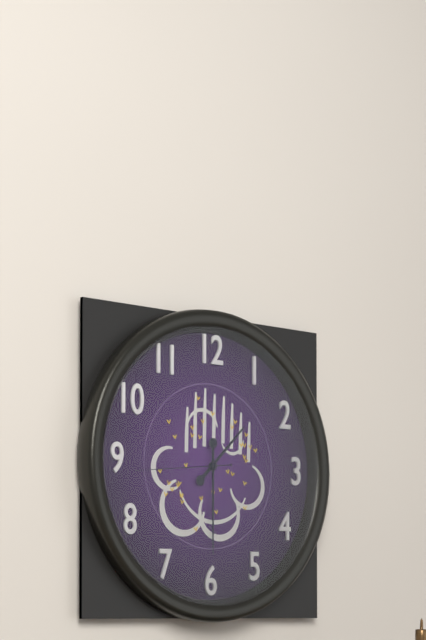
1h30m44s
